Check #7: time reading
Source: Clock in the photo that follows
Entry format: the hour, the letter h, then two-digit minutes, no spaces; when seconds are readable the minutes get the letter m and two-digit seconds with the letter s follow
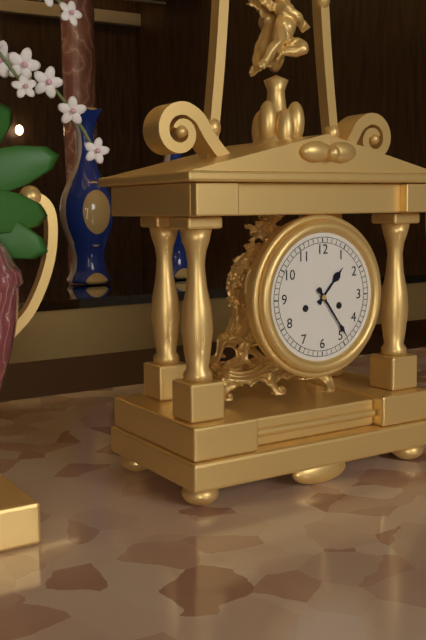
1h24
